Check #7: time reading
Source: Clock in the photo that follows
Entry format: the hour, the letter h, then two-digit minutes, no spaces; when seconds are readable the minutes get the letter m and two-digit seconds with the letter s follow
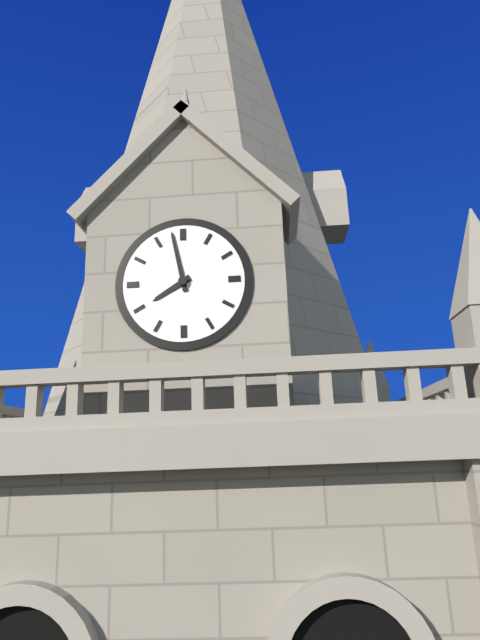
7h58
